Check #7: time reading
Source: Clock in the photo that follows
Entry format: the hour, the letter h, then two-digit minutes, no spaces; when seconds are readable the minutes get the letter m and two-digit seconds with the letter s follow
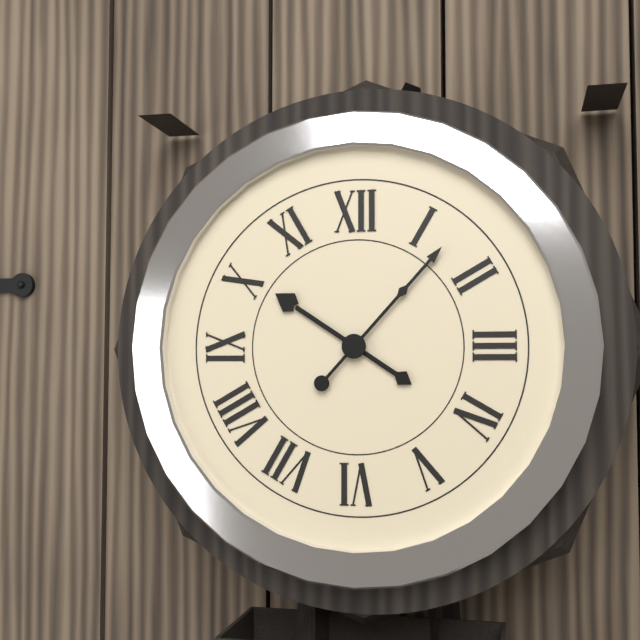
10h07
